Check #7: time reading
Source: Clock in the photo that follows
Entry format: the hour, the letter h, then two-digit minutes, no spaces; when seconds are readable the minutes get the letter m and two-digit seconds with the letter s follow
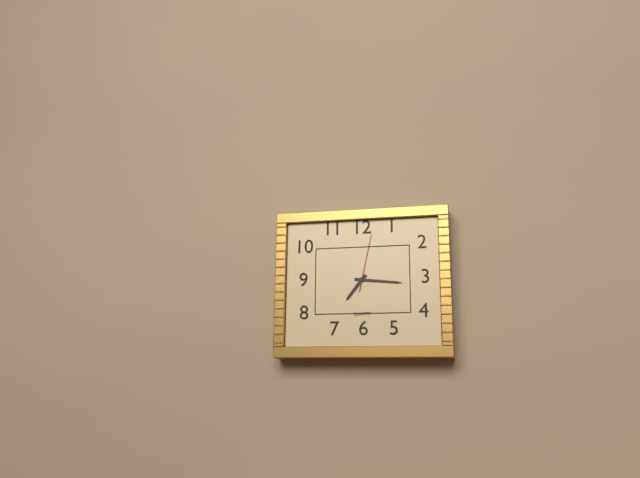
7h16m02s
